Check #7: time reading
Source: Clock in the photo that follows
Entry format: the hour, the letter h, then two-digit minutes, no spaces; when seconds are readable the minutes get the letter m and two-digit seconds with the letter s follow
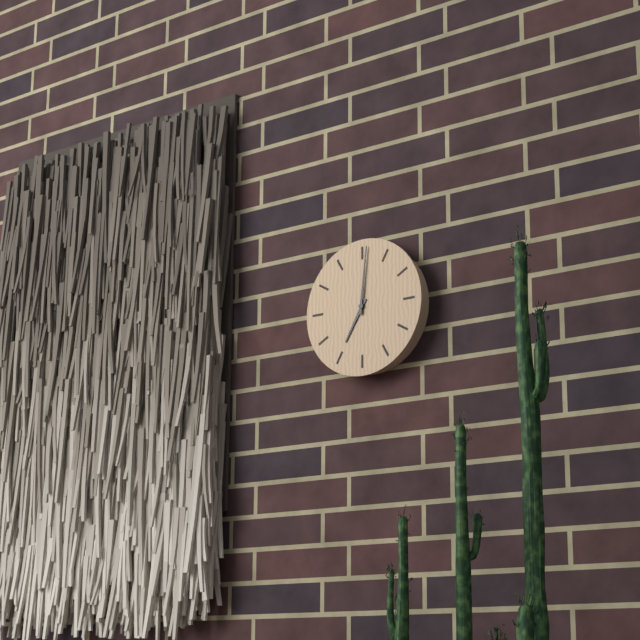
7h01
